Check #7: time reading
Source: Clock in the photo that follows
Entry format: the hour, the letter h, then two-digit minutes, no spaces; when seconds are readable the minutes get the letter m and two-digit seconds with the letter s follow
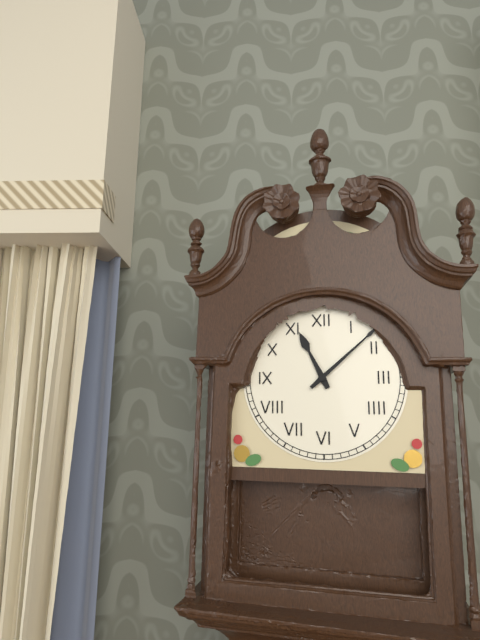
11h08
